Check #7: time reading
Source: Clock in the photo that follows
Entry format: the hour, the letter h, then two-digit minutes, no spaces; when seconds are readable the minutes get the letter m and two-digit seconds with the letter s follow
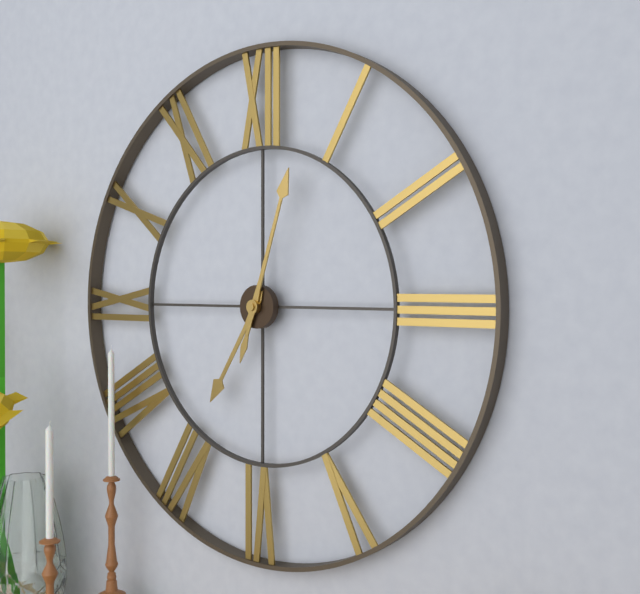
7h03
